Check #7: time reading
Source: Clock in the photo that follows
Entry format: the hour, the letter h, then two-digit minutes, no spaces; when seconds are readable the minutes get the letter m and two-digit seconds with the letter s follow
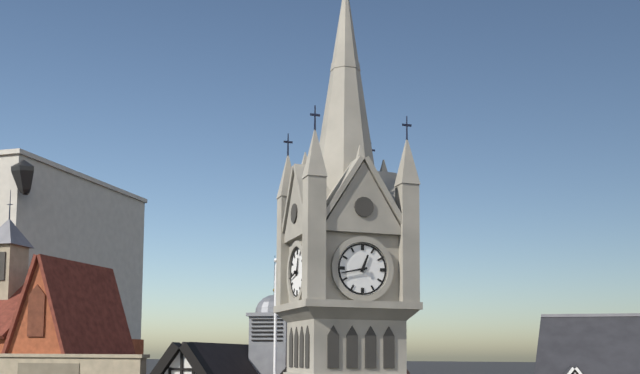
12h43
